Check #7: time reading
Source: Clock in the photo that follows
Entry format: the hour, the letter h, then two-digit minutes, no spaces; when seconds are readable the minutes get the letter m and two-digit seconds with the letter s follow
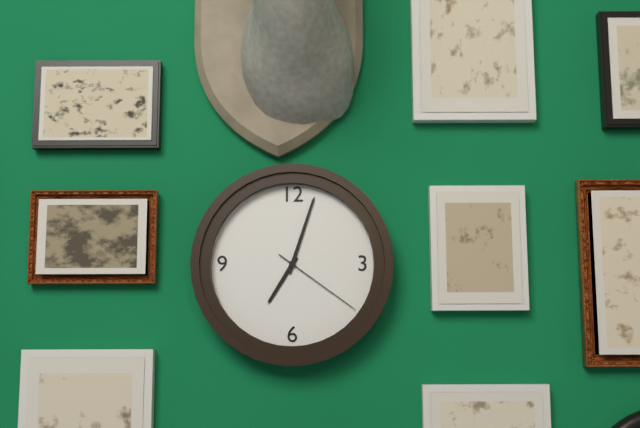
7h03m21s
